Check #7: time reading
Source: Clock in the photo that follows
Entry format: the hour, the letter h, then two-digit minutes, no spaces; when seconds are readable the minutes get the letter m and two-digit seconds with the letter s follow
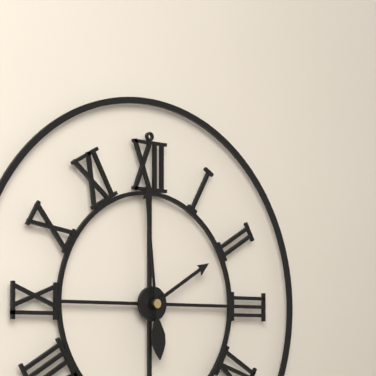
1h59
